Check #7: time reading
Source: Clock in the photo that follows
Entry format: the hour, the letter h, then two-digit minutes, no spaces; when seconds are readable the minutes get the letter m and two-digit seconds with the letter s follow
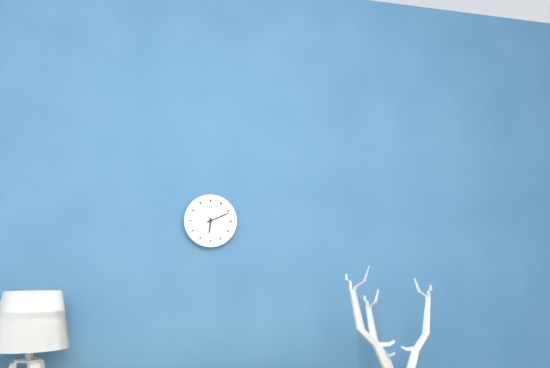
6h11
